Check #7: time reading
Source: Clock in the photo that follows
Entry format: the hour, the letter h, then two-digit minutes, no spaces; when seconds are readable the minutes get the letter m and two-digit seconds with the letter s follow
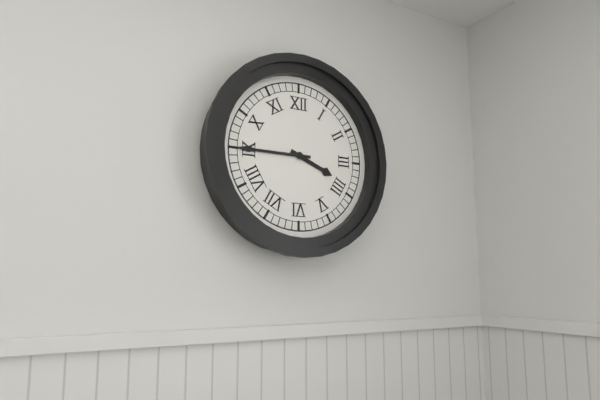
3h45
